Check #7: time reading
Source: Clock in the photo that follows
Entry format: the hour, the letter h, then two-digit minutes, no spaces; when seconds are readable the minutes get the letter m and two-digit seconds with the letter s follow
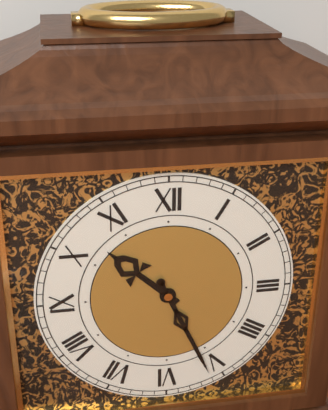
10h26
